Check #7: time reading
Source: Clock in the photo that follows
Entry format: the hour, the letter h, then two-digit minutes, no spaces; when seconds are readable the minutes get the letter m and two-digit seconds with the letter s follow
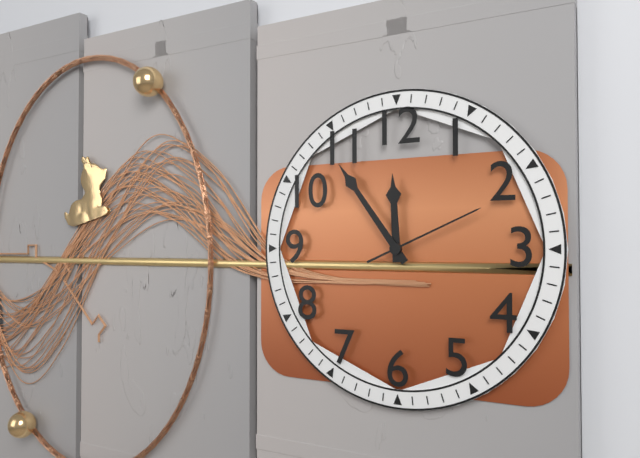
11h54m11s
